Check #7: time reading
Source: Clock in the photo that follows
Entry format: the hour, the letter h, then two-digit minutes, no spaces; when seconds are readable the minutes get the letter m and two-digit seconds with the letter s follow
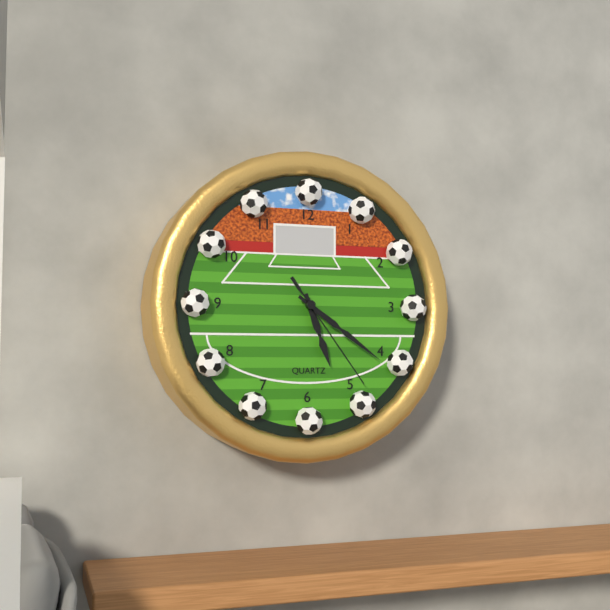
5h21m24s
